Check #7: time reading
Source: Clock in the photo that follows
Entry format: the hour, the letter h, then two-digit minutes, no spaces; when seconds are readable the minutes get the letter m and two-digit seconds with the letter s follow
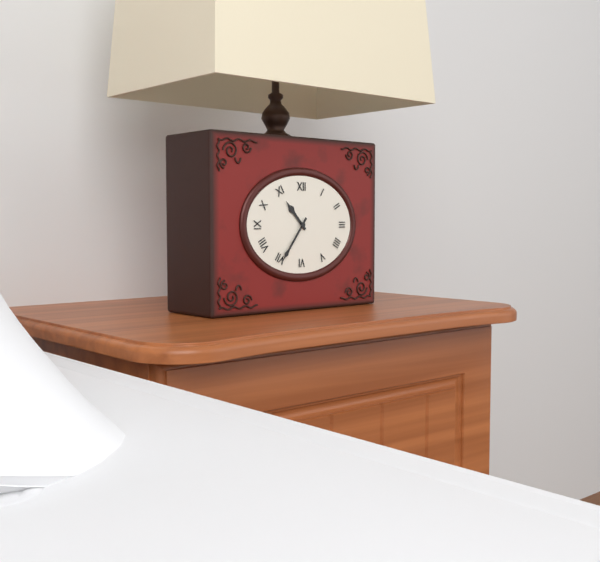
10h36
